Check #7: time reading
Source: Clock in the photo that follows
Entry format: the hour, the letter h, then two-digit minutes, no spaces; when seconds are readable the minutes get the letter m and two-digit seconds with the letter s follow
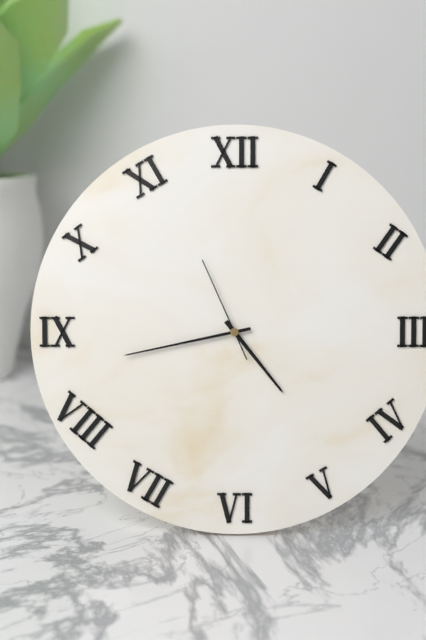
4h43m56s
